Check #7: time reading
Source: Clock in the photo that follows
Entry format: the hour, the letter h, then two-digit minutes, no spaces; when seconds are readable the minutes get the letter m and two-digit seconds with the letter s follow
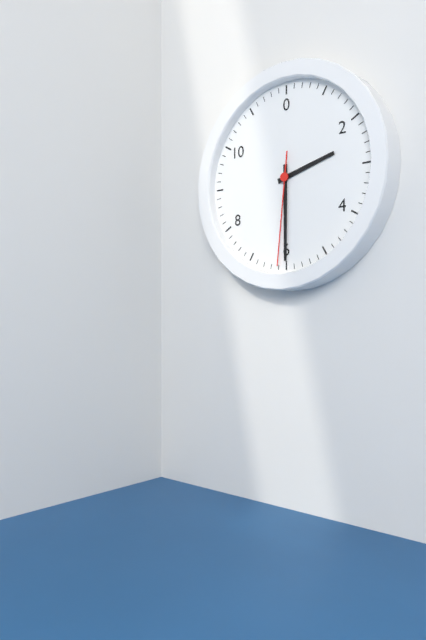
2h30m31s
